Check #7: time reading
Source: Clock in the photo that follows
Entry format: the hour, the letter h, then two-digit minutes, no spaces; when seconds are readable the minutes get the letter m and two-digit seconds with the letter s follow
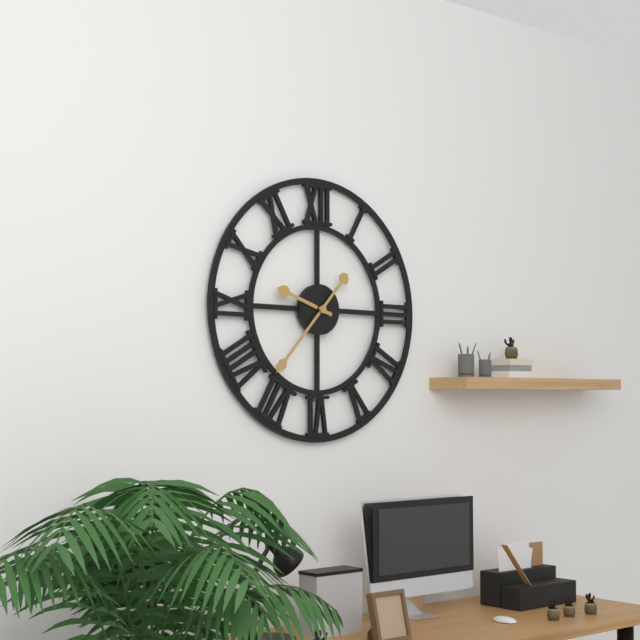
9h37
